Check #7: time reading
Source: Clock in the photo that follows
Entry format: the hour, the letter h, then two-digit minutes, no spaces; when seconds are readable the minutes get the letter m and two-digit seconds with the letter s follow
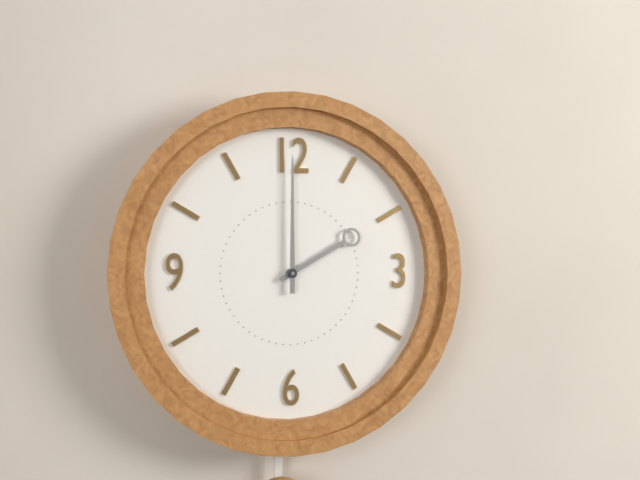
2h00
